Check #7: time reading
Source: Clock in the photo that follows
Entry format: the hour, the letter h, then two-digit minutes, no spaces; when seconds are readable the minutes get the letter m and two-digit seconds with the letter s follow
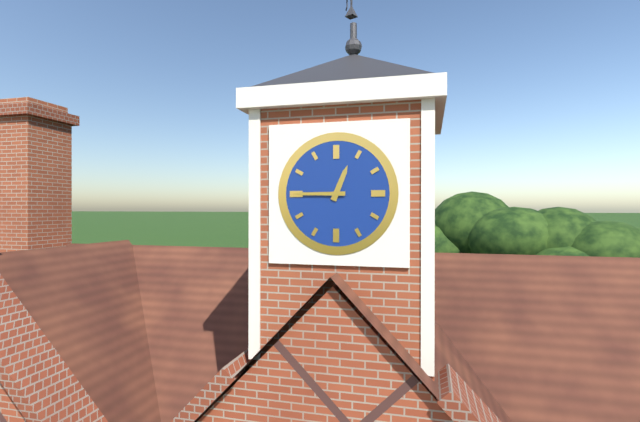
12h45
